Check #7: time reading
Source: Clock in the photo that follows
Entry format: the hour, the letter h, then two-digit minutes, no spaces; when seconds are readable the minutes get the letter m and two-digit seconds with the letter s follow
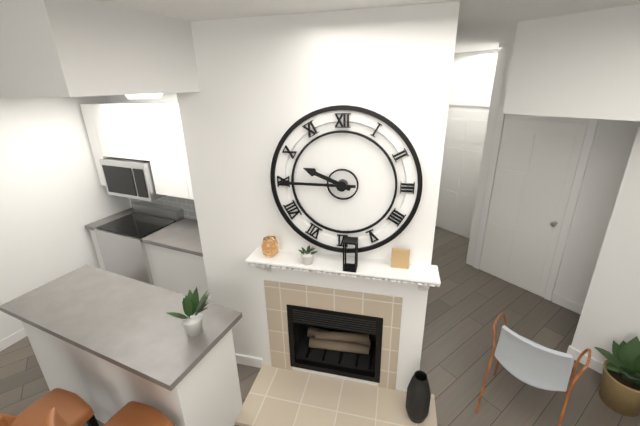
9h45
